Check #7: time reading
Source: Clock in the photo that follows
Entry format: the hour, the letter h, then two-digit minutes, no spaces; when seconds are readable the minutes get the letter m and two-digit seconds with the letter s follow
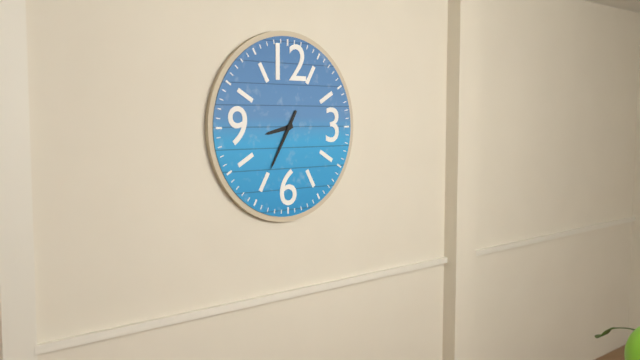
8h35
